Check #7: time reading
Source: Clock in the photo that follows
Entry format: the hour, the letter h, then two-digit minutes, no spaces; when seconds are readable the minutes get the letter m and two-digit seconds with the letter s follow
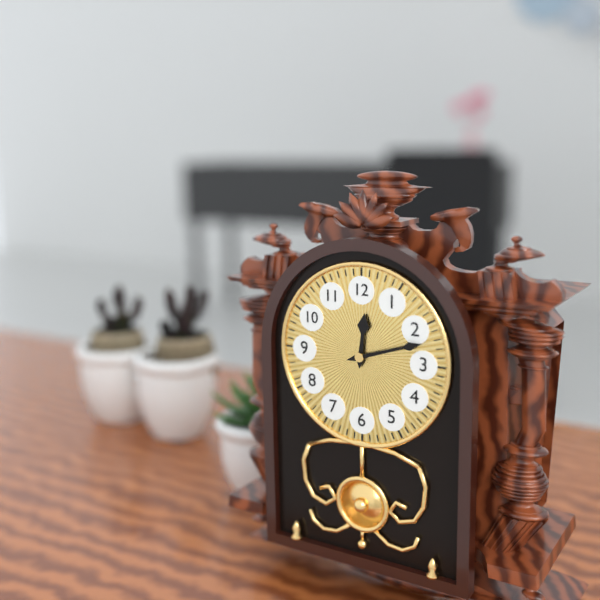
12h12
